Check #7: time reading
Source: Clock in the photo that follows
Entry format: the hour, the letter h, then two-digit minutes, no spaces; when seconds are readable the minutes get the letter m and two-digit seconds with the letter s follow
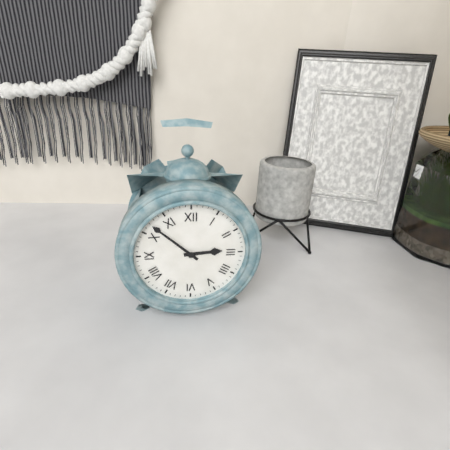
2h52
